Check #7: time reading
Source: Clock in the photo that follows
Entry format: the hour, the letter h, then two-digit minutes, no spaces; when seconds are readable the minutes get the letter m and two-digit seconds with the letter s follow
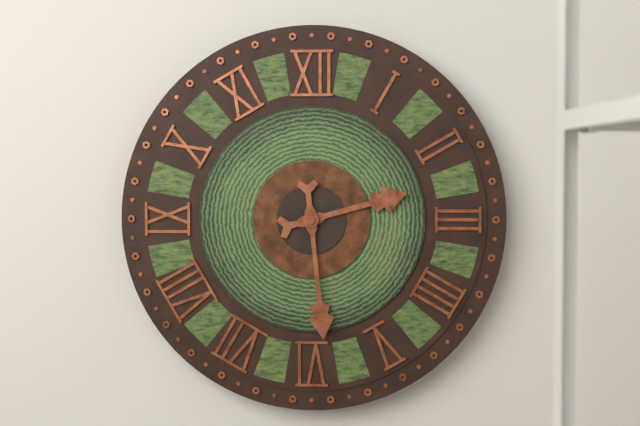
2h29
